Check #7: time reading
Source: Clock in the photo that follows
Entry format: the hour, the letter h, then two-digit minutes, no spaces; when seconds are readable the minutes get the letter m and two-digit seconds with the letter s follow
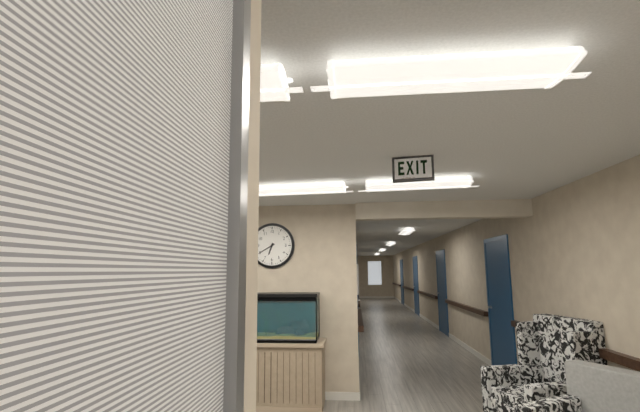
6h40
